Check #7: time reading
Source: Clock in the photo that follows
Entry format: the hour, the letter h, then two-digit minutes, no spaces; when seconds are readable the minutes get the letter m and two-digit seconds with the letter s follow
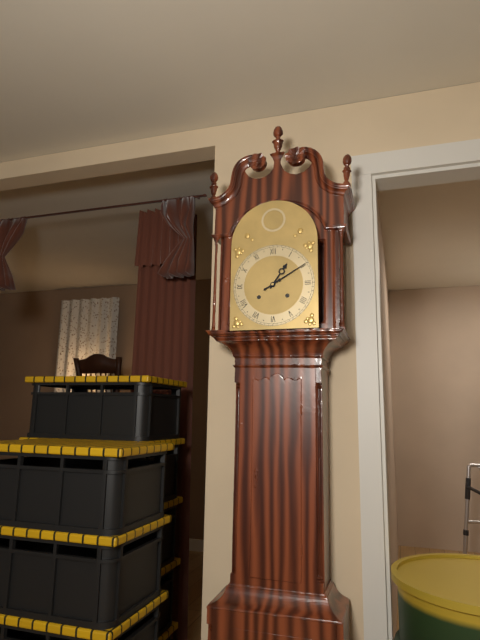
1h10
